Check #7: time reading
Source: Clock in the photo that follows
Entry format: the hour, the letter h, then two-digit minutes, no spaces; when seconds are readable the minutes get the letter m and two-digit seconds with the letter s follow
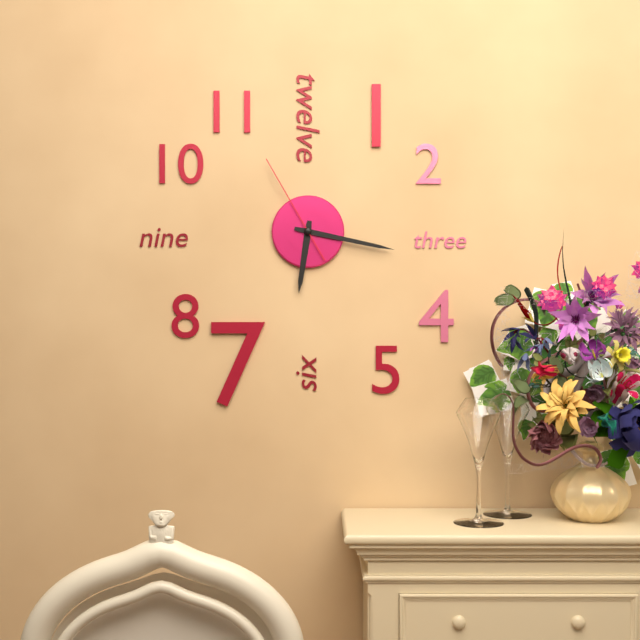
6h17m55s
